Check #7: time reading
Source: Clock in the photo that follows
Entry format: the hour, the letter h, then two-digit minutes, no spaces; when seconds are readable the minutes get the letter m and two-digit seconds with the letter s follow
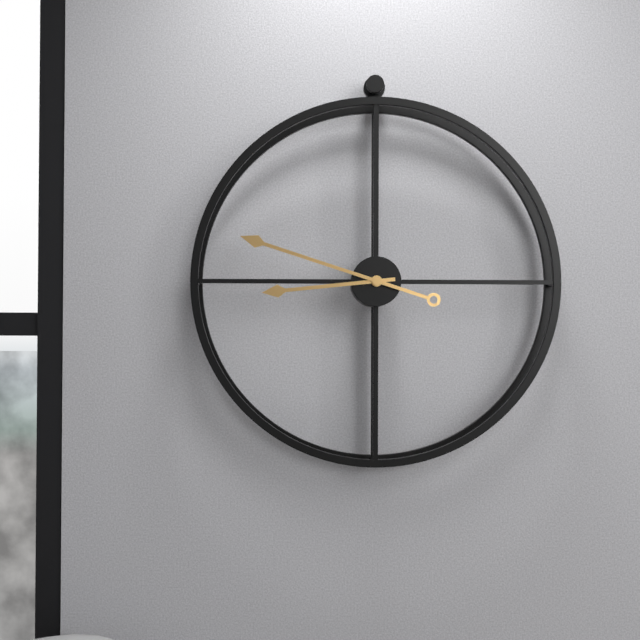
8h48
